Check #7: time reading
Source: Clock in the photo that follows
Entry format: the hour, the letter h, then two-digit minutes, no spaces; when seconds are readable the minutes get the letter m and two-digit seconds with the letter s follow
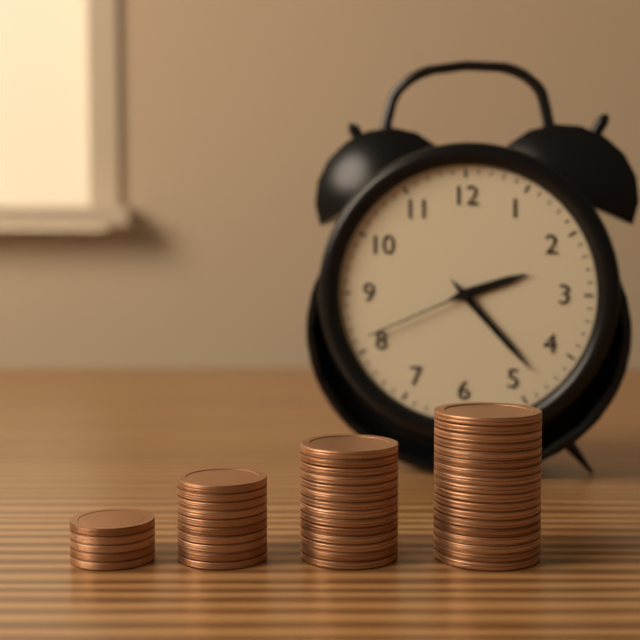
2h23m41s
